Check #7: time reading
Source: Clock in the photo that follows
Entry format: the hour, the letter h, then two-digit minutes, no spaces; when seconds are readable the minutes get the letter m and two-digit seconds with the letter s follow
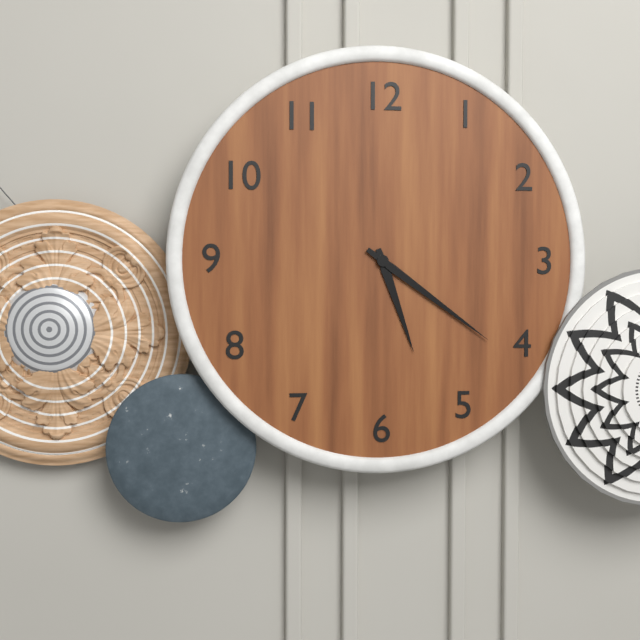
5h21
